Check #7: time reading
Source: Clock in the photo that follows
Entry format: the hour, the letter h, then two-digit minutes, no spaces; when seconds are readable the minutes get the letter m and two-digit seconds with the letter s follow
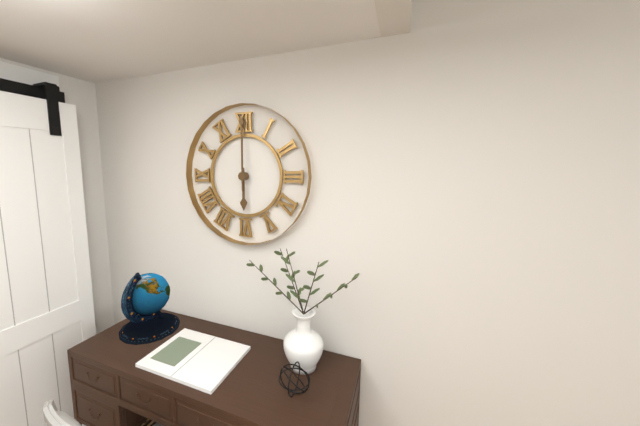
6h00
